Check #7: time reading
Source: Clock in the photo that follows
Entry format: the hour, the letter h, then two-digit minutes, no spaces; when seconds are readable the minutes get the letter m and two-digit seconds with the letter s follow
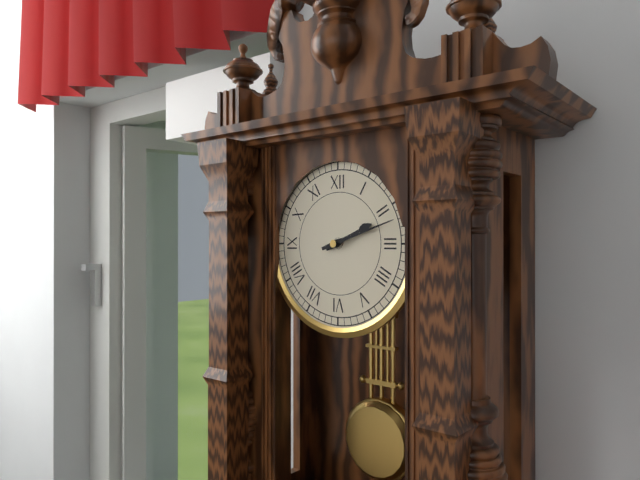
2h12
